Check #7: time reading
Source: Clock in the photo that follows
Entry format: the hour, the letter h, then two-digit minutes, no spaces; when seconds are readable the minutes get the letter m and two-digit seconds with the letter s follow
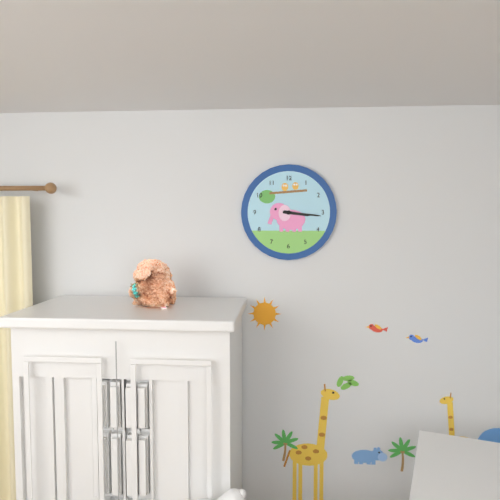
3h16
